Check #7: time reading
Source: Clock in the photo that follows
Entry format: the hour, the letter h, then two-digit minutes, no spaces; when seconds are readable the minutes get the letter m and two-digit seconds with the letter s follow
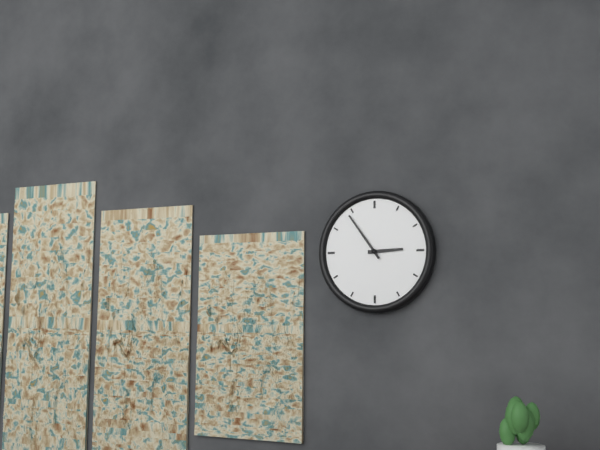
2h54
